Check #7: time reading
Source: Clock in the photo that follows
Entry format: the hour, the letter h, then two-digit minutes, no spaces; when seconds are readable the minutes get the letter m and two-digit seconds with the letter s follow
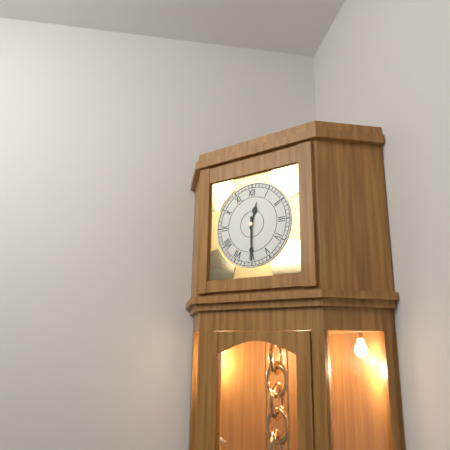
12h30
